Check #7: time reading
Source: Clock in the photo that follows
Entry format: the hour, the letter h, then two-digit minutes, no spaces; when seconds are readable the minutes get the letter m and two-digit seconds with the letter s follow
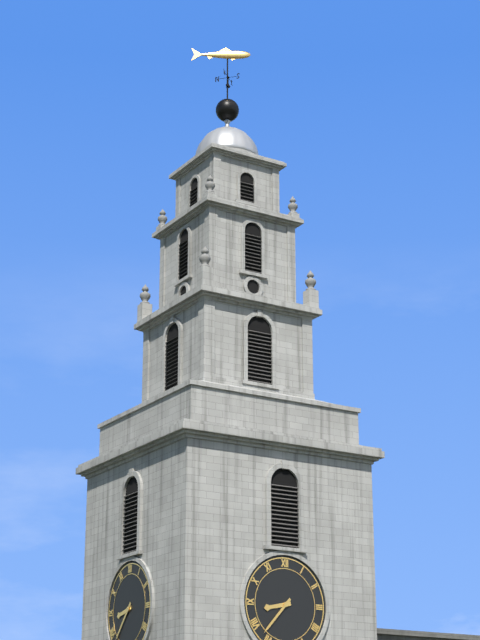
8h37
